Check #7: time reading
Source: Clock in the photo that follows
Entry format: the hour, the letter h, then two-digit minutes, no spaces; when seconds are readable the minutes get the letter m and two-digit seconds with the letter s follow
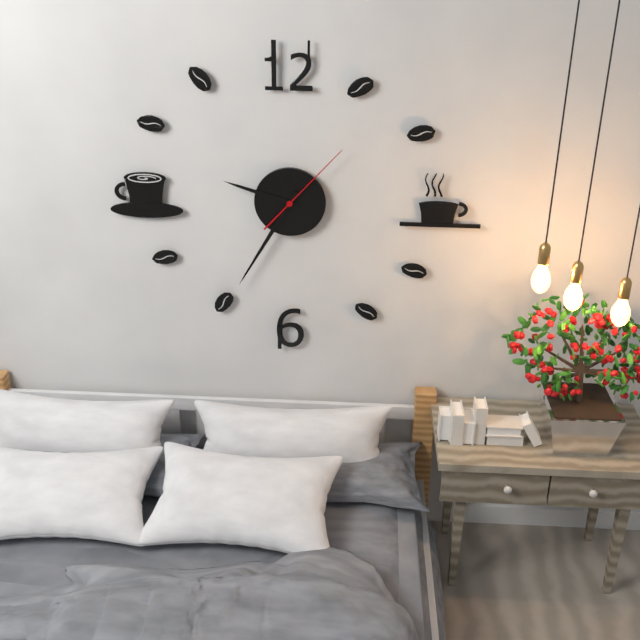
9h35m07s
